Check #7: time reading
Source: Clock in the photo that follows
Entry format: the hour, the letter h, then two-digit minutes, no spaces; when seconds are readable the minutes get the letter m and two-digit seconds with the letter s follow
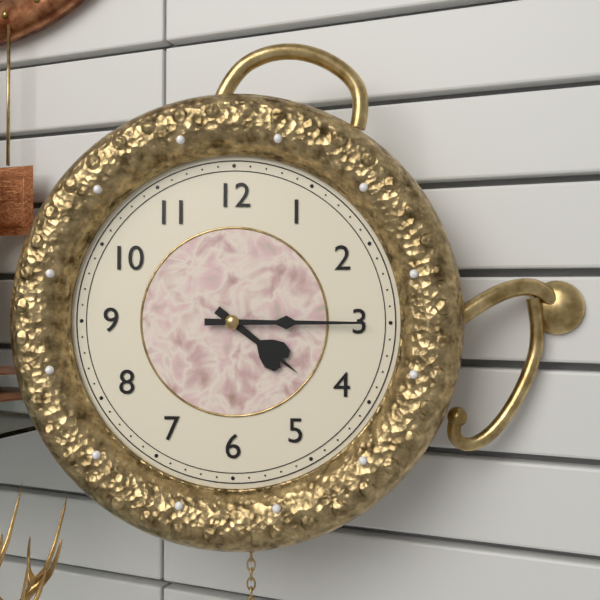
4h15
